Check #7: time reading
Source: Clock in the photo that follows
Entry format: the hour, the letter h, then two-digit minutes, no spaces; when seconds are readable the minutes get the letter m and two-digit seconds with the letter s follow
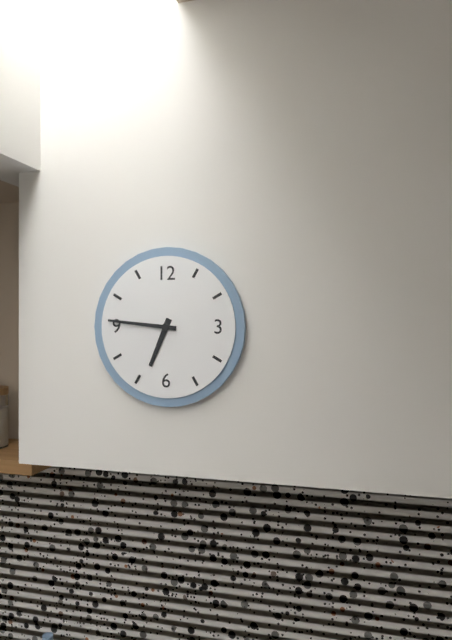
6h46
